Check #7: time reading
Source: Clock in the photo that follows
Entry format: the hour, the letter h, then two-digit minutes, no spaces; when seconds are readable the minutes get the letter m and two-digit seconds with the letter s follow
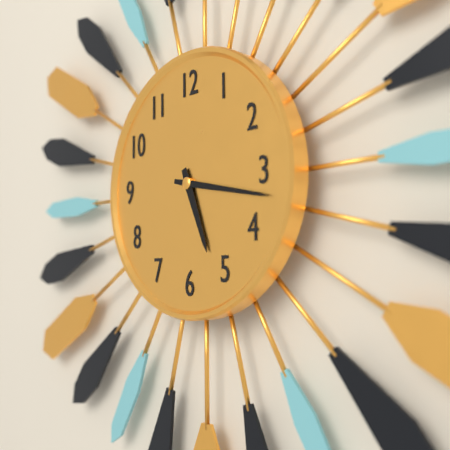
5h17
